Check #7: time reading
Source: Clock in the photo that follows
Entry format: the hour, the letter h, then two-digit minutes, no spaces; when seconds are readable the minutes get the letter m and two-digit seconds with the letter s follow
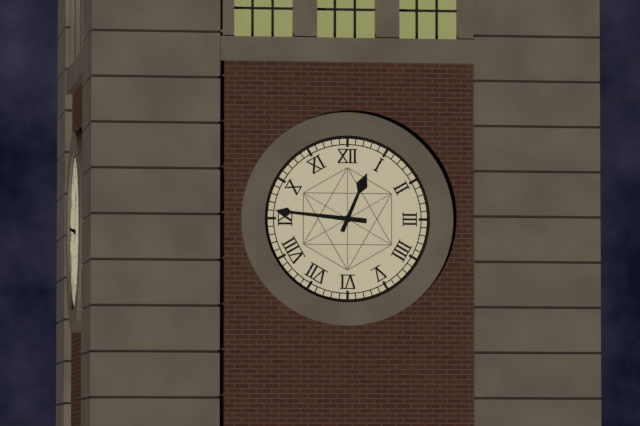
12h46
